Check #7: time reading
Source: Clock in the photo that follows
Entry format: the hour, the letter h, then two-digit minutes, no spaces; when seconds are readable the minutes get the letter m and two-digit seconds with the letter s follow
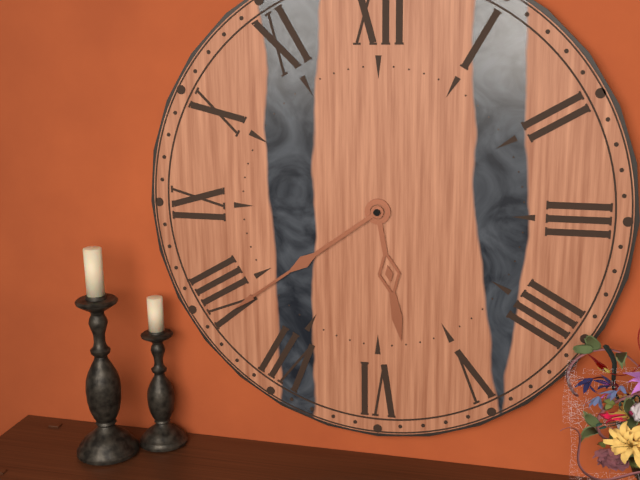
5h39
